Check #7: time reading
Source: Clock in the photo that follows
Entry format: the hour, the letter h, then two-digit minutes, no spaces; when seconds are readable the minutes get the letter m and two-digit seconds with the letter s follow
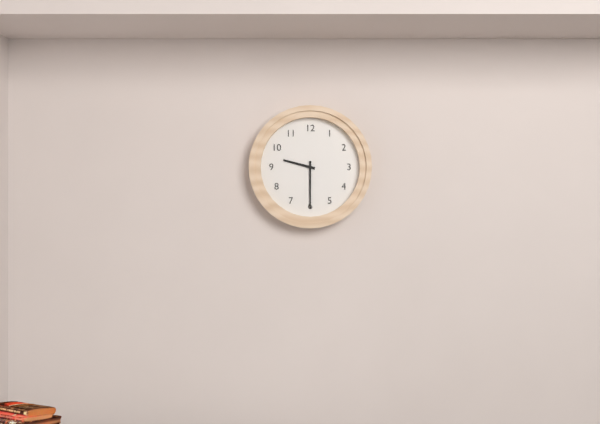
9h30
